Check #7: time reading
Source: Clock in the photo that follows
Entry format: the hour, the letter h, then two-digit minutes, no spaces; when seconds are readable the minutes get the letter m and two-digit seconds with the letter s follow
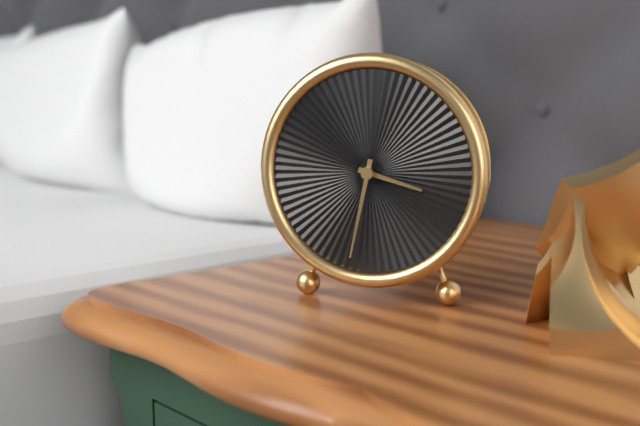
3h32
